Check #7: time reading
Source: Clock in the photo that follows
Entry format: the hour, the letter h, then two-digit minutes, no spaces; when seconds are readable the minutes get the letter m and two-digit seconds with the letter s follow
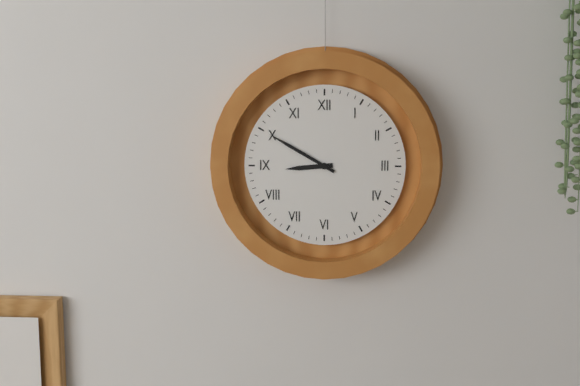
8h50
